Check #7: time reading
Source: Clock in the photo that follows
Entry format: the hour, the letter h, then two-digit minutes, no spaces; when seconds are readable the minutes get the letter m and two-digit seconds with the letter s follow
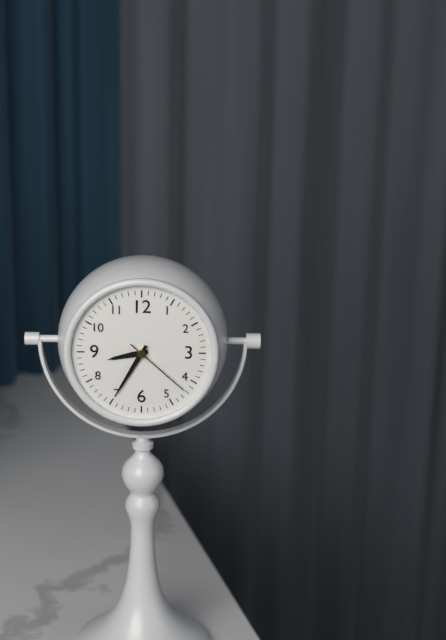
8h35m22s
